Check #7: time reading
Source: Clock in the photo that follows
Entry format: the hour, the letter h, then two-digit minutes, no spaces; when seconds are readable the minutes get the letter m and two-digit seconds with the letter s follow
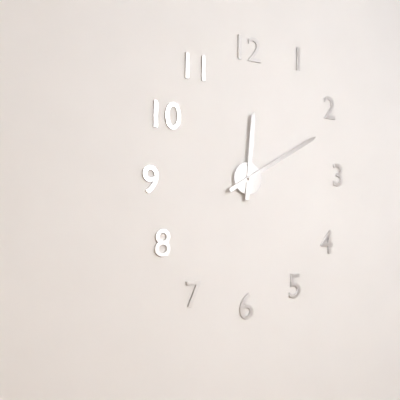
12h10
